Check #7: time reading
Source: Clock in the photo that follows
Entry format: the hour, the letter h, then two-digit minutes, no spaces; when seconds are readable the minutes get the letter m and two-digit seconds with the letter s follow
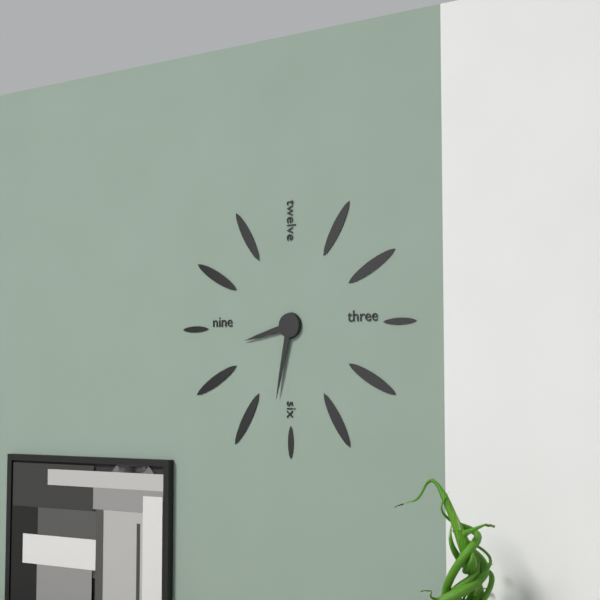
8h32
